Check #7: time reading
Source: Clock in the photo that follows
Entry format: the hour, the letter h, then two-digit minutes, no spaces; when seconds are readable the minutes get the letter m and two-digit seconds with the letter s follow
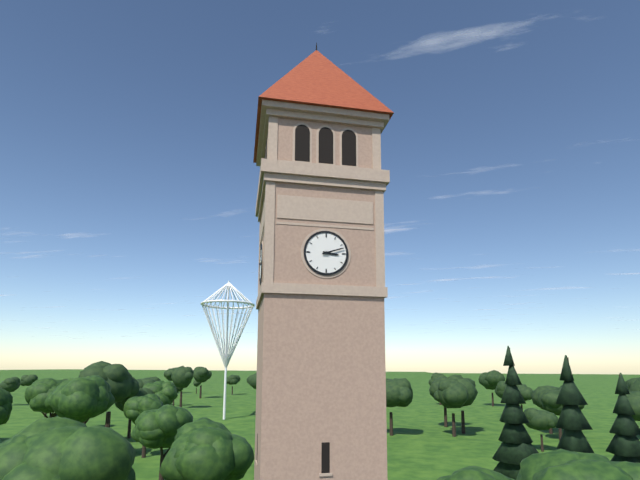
3h12
